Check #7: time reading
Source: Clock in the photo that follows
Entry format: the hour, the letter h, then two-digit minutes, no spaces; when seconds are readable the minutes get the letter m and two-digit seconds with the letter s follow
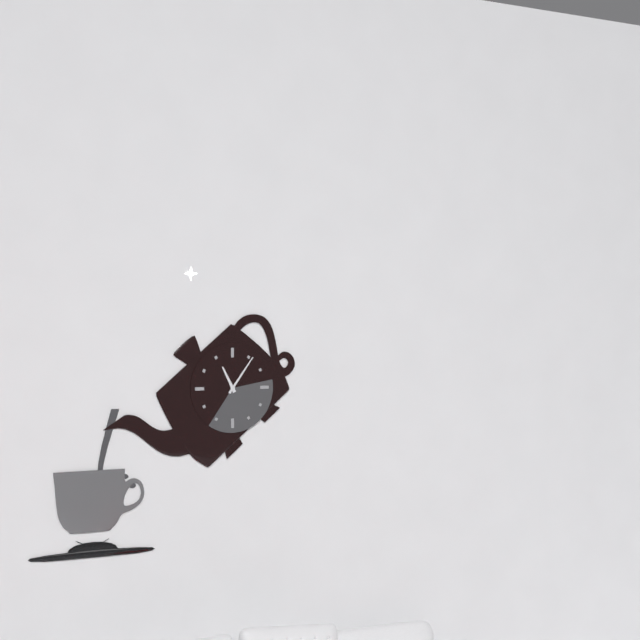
11h06
